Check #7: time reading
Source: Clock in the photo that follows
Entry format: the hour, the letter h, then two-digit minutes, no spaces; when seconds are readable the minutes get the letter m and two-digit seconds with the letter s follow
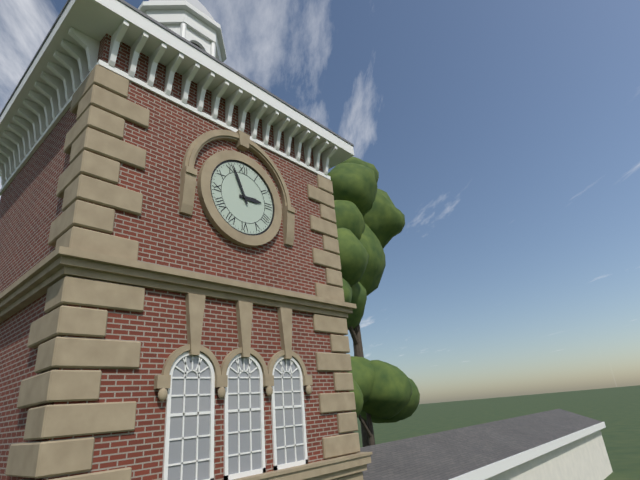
2h56
